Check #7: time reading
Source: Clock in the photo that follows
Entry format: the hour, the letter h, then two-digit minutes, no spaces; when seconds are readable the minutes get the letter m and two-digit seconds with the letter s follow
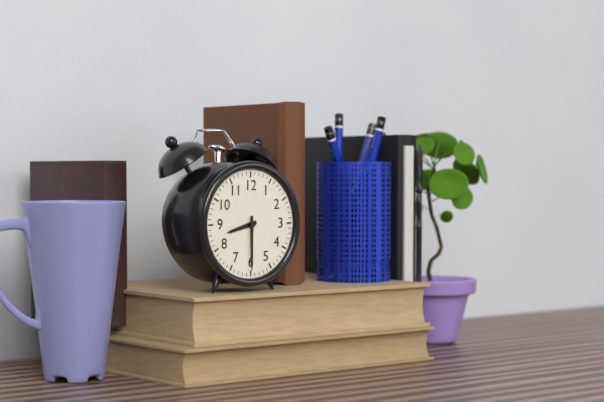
8h30
